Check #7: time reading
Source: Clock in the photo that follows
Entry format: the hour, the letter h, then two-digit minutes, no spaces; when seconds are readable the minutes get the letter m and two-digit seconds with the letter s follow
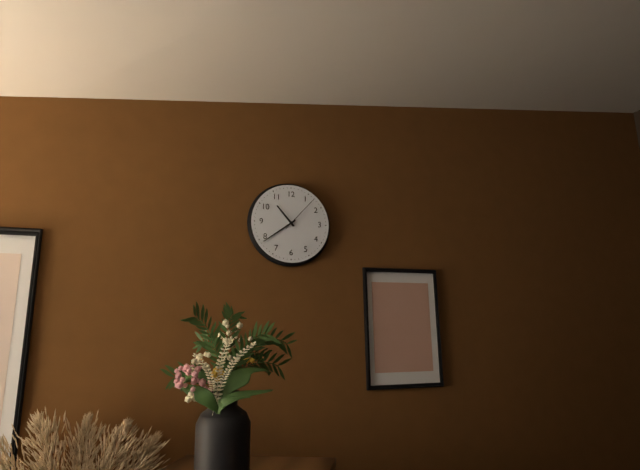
10h39
